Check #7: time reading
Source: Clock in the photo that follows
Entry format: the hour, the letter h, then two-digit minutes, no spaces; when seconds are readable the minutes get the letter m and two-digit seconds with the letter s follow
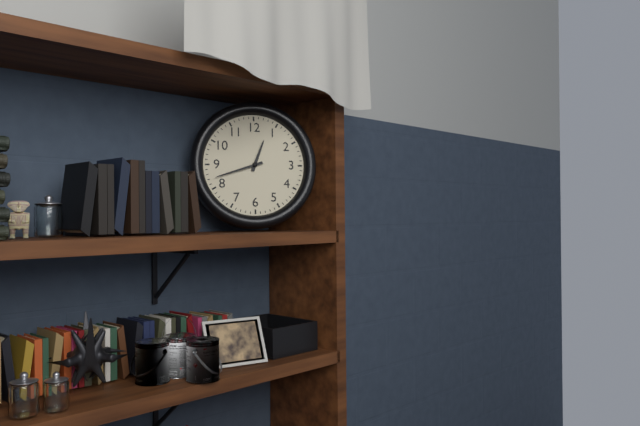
12h42
